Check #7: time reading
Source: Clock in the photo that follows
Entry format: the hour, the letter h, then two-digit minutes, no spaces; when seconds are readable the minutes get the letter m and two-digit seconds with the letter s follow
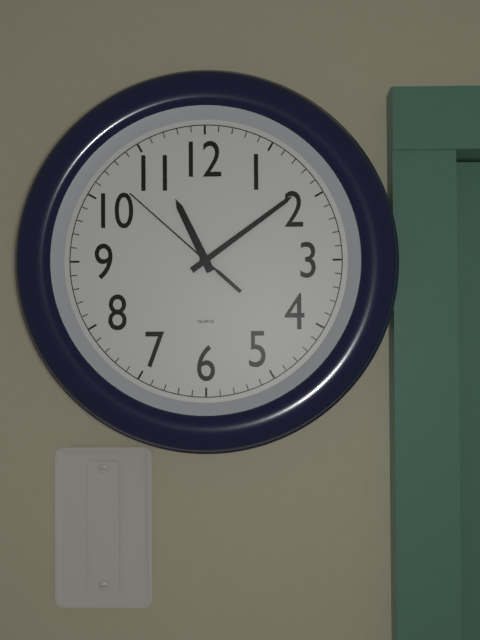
11h09m52s
